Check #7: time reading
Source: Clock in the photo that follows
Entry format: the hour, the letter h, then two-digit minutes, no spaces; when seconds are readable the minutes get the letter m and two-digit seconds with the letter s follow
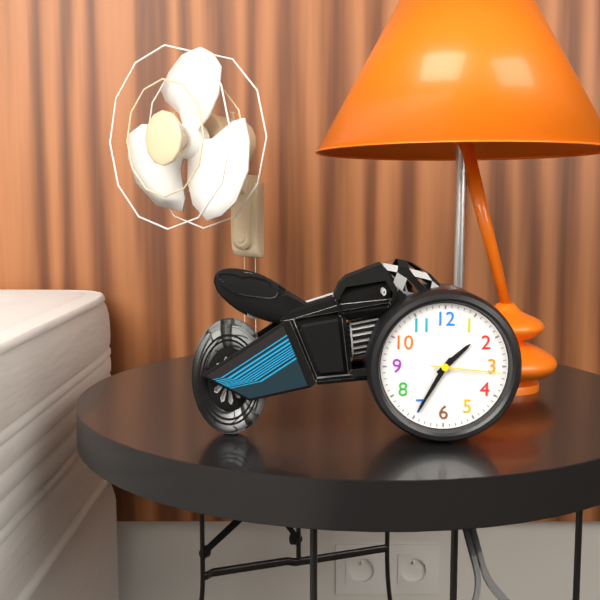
1h35m16s
